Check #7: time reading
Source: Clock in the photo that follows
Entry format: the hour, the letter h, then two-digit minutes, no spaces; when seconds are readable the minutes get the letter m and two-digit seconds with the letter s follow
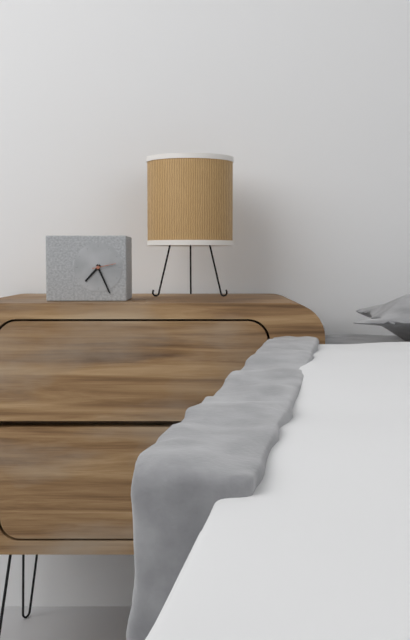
7h26
